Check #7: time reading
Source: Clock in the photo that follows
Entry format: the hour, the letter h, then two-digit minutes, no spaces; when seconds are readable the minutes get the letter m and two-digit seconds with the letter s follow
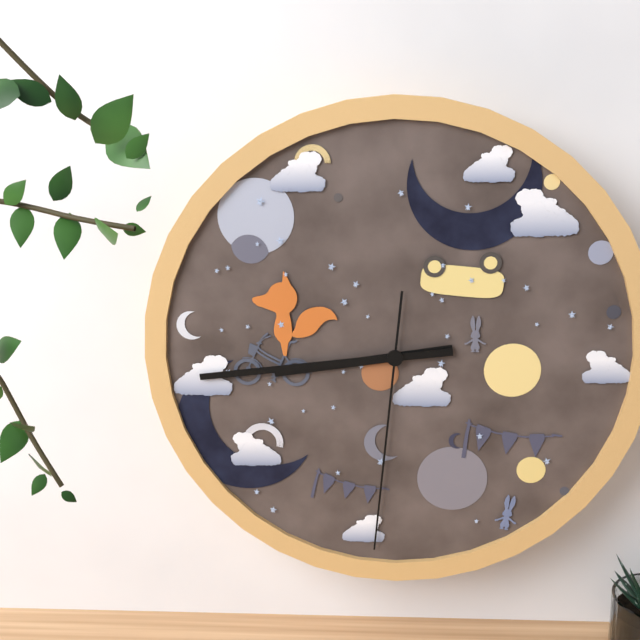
8h44m31s
